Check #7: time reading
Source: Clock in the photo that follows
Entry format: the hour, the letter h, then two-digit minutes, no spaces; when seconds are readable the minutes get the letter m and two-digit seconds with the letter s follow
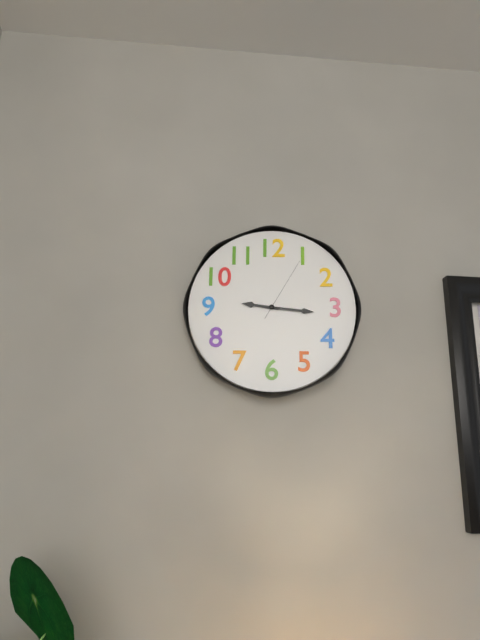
9h16m05s
